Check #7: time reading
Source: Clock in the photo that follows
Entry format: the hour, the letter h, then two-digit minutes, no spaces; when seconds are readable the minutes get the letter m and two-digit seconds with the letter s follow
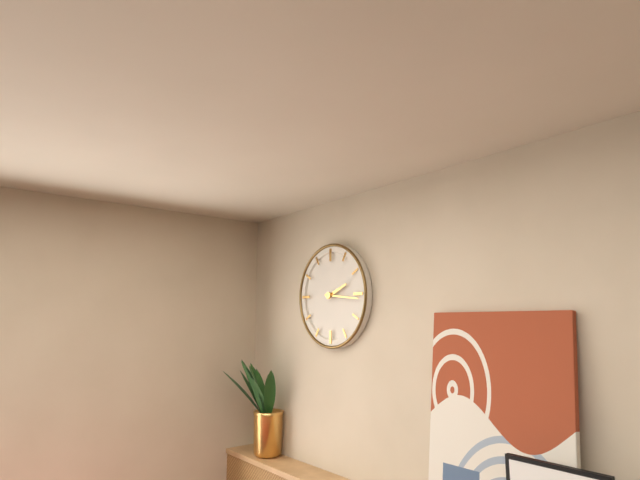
2h16
